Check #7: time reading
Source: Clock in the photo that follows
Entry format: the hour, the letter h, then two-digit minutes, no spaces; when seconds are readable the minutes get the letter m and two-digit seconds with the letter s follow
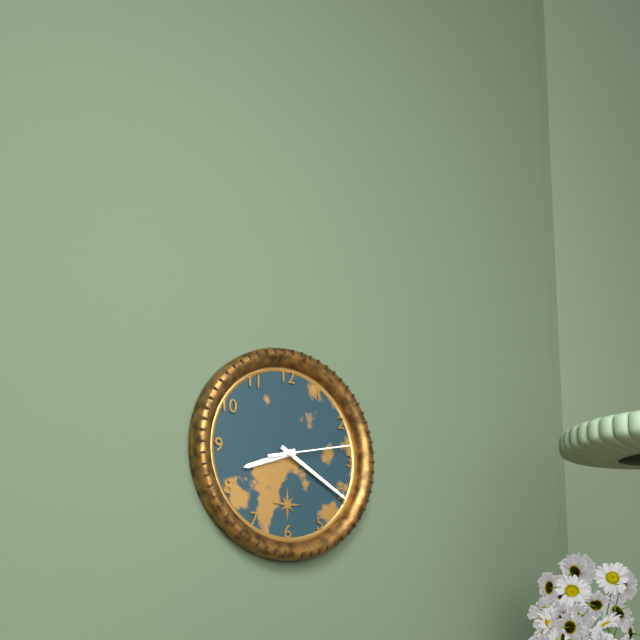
8h20m13s
